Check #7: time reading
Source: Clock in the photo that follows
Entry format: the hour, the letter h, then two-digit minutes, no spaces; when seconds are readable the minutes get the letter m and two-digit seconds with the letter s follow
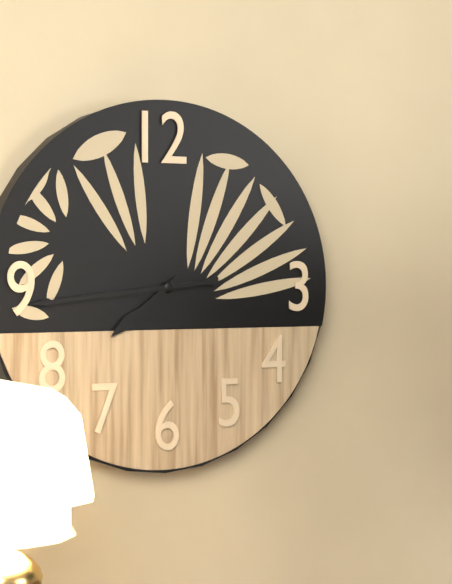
7h44
